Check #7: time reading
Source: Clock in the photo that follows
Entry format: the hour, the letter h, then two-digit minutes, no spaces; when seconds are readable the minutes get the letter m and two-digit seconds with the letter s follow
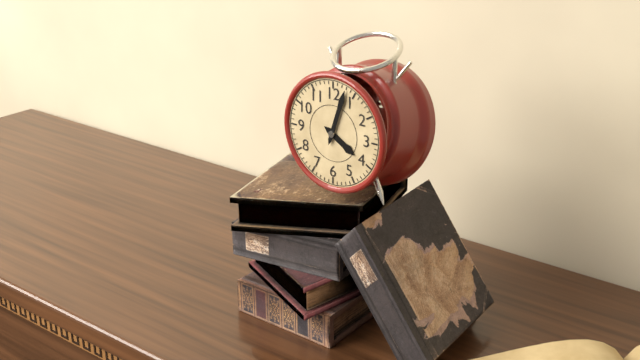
4h03
